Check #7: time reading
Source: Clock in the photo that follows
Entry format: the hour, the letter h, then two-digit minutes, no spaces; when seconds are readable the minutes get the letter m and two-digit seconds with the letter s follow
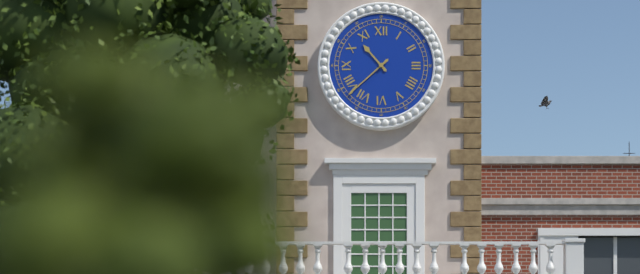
10h38
